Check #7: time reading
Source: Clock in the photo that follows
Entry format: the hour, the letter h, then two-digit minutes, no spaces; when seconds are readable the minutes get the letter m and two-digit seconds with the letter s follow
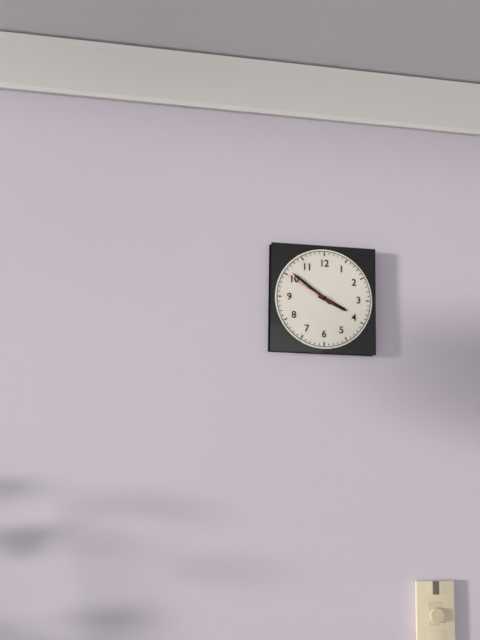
3h51m50s
